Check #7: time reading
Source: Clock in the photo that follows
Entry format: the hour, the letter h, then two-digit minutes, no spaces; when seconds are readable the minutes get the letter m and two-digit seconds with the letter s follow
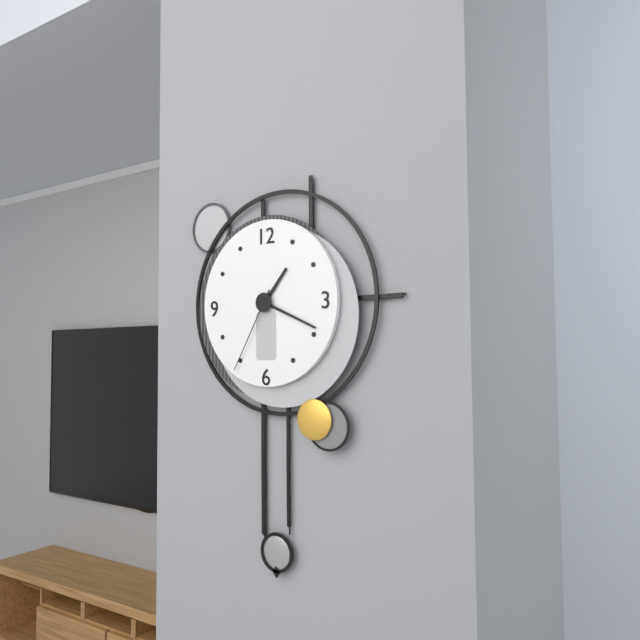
1h19m35s
